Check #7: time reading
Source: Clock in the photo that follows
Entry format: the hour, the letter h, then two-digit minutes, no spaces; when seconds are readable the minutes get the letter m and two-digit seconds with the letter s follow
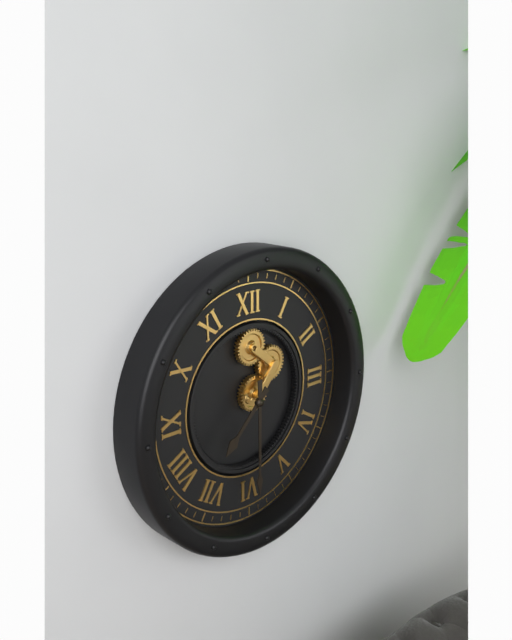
7h30
